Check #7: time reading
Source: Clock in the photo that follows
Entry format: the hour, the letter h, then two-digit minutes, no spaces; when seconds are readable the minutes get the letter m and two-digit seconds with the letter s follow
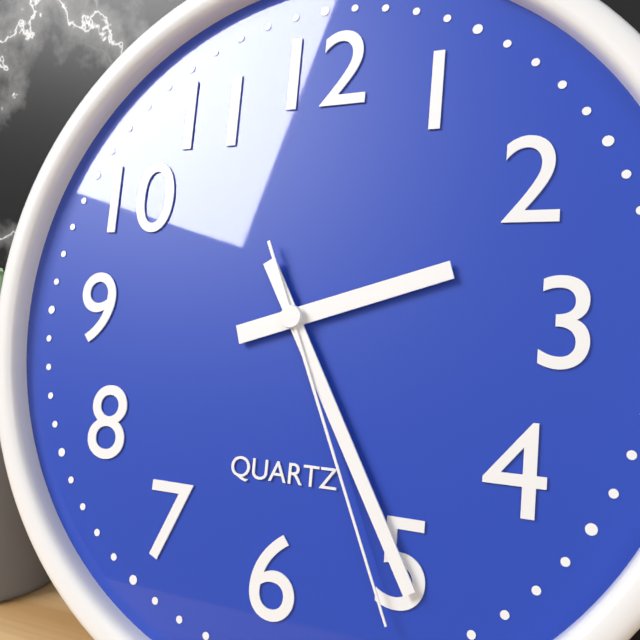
2h25m26s
